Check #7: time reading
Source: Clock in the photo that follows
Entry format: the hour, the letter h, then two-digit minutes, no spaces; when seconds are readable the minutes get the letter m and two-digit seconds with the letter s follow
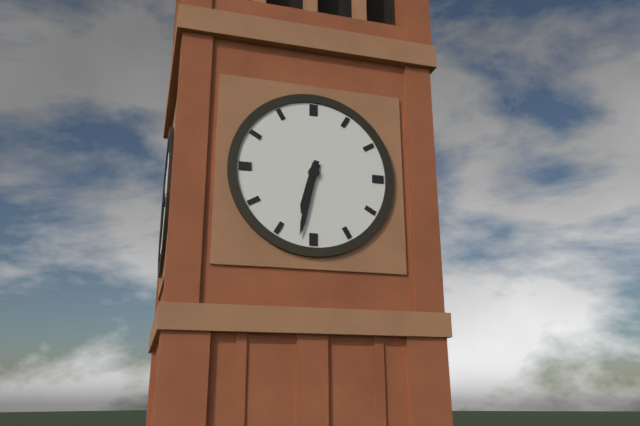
6h32
